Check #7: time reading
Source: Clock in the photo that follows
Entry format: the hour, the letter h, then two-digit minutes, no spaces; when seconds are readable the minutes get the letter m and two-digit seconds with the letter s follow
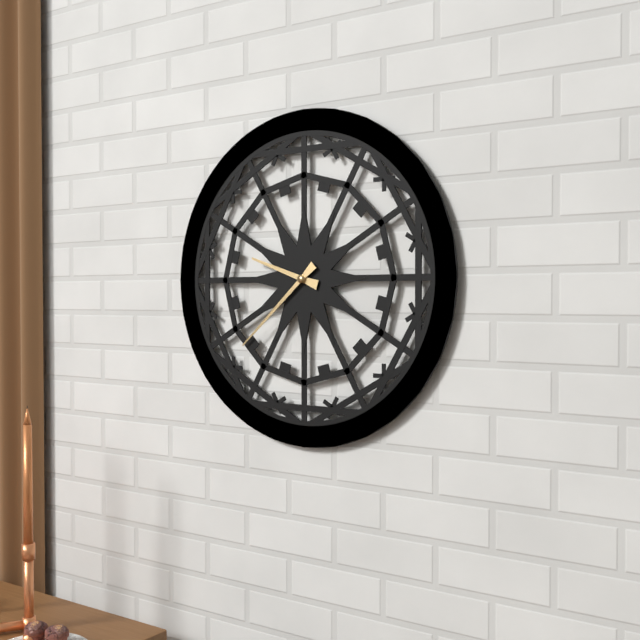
9h38
